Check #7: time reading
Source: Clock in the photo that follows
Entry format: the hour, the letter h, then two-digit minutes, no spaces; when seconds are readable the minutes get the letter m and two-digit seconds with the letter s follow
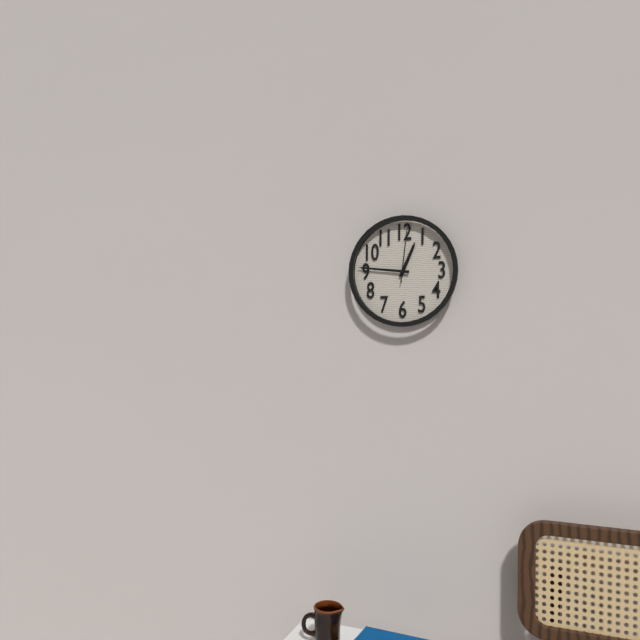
12h46m01s
